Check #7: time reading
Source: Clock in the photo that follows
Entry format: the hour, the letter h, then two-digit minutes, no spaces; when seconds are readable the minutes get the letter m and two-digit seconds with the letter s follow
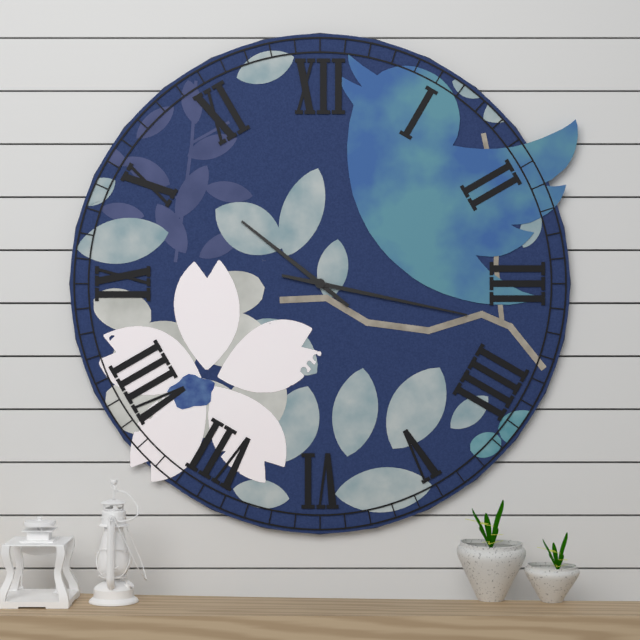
10h17
